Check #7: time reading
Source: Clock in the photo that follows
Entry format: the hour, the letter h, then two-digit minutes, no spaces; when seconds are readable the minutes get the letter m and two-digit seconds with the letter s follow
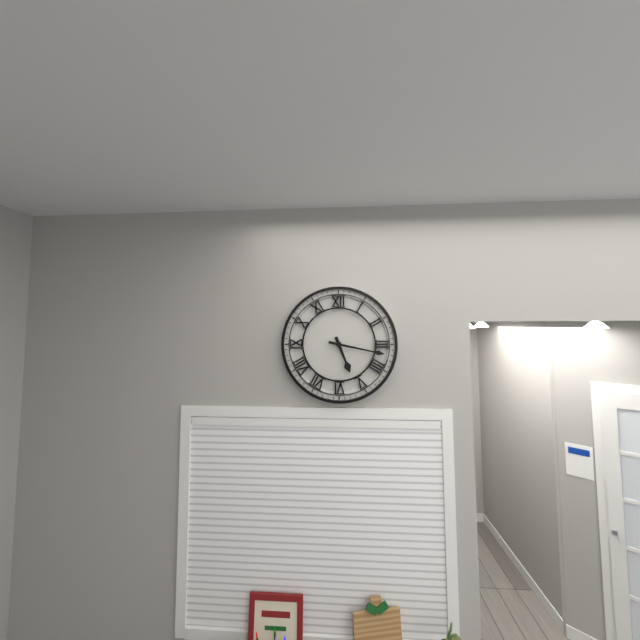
5h17
